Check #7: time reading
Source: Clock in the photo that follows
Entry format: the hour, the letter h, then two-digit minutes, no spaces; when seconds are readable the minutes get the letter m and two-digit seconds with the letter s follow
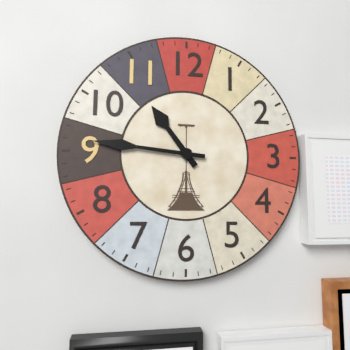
10h46
